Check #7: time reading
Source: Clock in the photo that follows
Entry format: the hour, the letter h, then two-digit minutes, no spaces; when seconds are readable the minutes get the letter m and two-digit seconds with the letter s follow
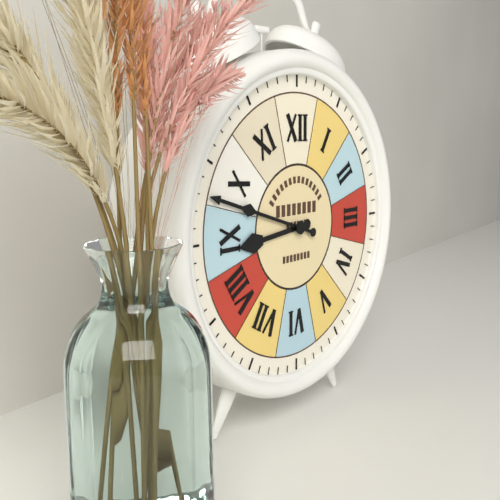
8h48
